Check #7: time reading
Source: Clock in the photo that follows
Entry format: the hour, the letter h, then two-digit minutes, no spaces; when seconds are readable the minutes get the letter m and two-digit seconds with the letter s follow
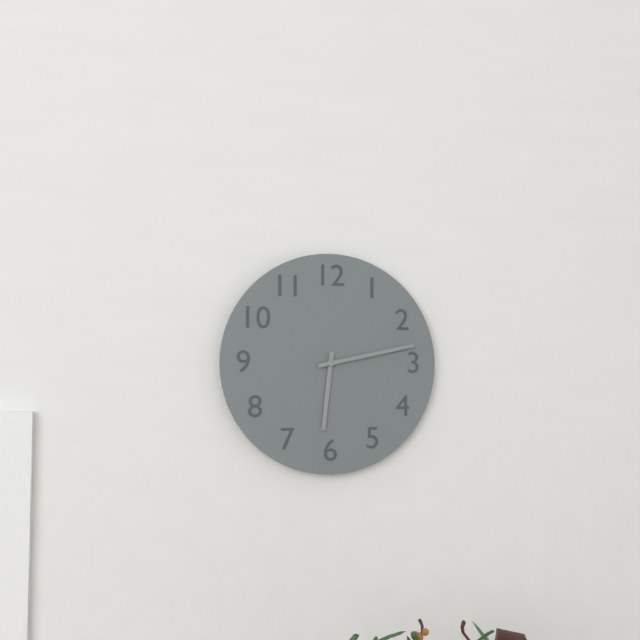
6h13
